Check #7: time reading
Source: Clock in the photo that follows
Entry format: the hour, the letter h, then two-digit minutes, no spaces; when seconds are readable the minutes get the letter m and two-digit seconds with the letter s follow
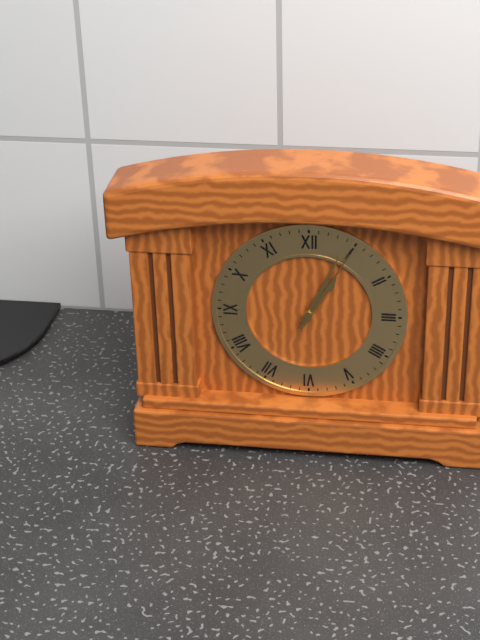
1h04m05s
